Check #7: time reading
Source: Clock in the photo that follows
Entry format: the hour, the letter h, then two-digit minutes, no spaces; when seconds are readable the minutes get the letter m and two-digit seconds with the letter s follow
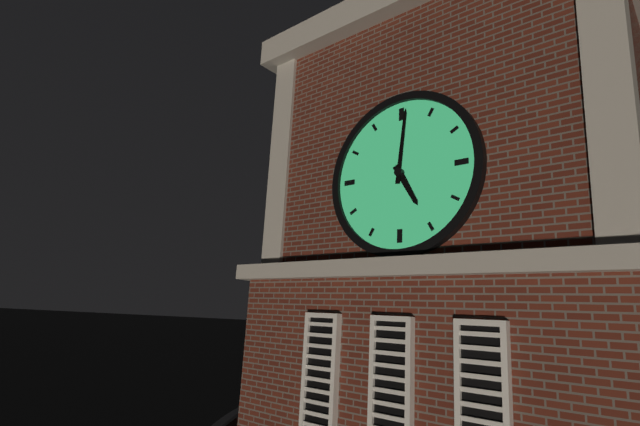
5h01
